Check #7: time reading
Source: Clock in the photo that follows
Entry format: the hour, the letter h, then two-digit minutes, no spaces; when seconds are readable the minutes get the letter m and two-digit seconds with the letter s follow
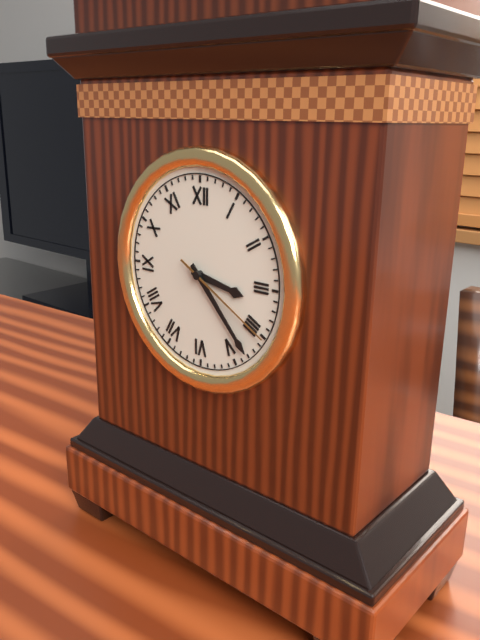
3h23m20s
